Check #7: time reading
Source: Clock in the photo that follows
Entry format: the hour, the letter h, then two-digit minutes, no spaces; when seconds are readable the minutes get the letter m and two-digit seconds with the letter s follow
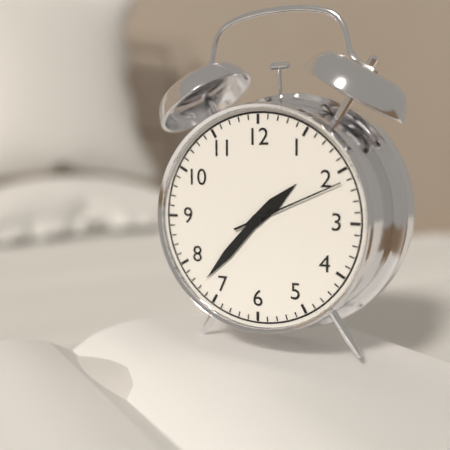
1h37m11s
